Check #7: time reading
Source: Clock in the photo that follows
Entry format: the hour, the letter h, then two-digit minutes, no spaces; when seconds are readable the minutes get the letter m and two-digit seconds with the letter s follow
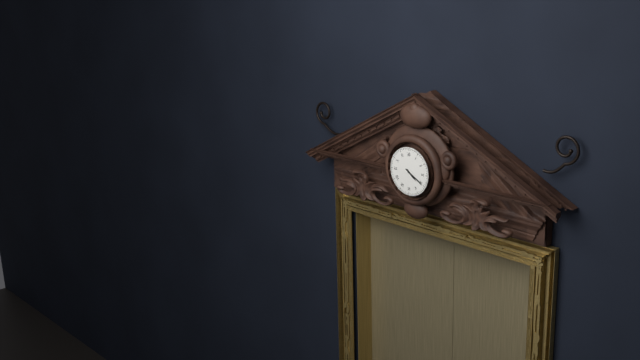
4h20
